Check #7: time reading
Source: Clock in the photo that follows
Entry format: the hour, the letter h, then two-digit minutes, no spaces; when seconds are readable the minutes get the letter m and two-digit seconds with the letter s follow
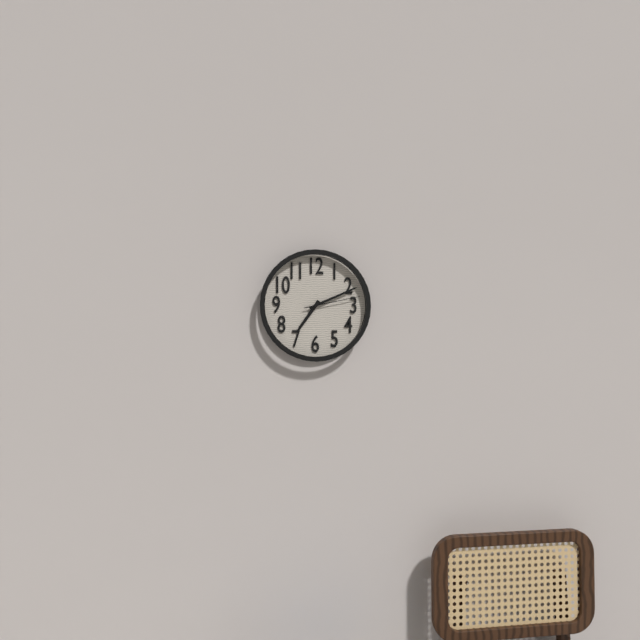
7h11m13s
